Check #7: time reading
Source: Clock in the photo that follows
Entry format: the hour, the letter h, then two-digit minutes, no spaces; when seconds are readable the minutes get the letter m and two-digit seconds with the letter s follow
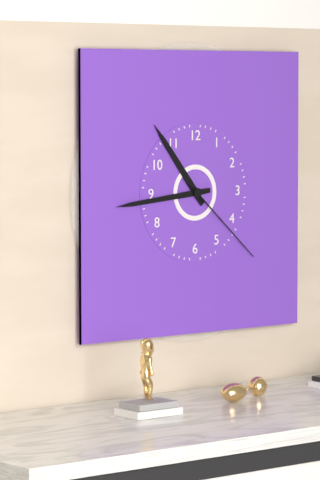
10h44m22s
